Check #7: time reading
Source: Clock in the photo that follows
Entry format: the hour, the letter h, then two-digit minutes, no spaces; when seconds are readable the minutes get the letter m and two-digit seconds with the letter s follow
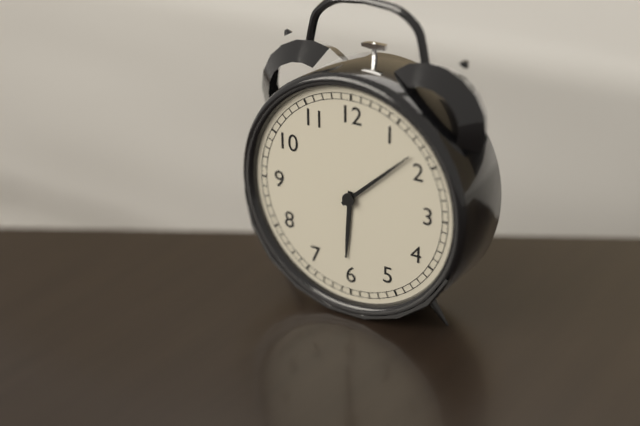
6h08
